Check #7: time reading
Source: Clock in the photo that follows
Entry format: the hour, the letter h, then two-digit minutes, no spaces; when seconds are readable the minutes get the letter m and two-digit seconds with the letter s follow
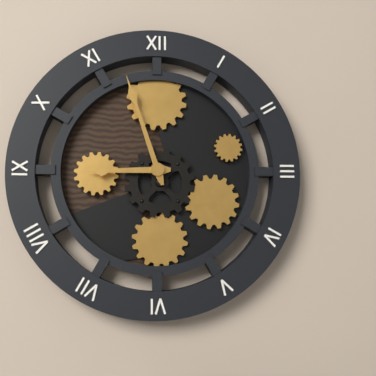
8h57
